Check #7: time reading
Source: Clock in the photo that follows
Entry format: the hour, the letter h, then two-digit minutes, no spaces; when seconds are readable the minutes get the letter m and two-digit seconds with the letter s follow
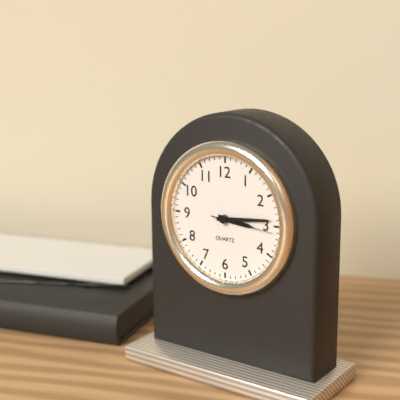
3h14m16s
